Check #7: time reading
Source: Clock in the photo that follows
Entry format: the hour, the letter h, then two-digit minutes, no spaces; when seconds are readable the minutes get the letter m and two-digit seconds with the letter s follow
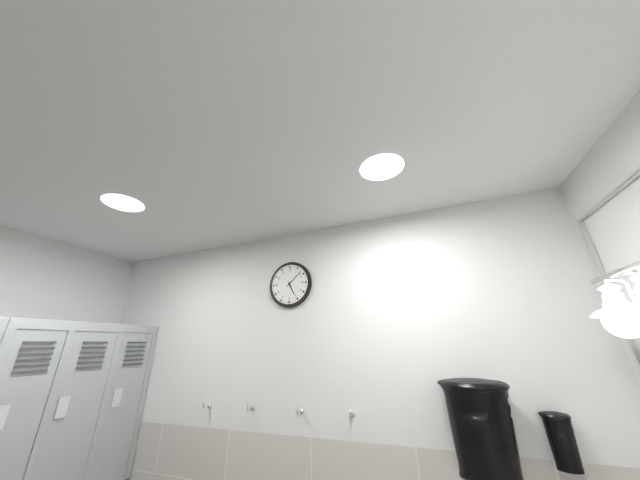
5h08
